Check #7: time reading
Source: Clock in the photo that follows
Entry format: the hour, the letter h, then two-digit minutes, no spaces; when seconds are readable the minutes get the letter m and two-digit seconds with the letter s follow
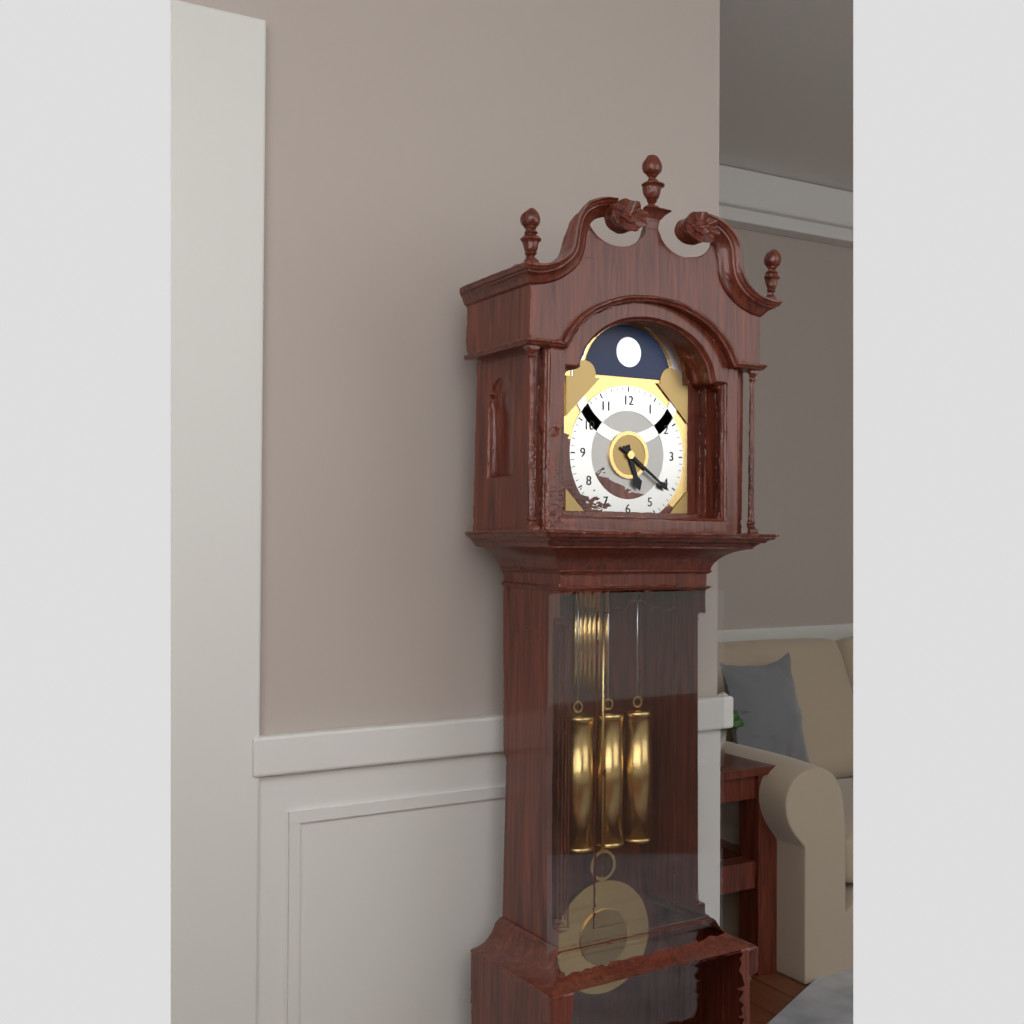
5h21
